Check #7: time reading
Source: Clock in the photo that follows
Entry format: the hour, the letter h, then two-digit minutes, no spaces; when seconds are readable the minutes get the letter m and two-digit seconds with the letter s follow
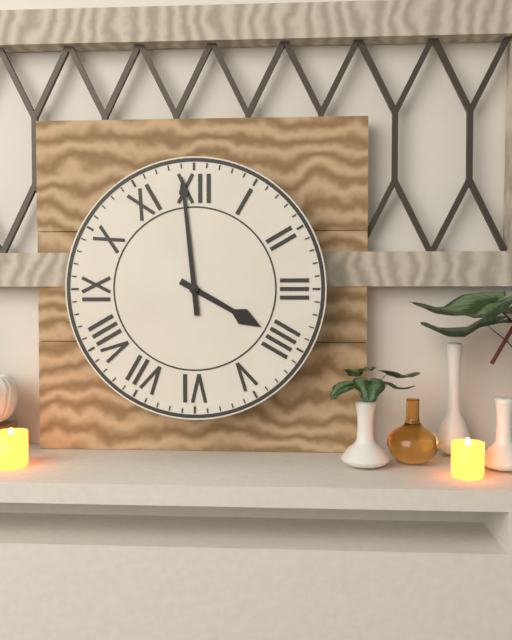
3h59
